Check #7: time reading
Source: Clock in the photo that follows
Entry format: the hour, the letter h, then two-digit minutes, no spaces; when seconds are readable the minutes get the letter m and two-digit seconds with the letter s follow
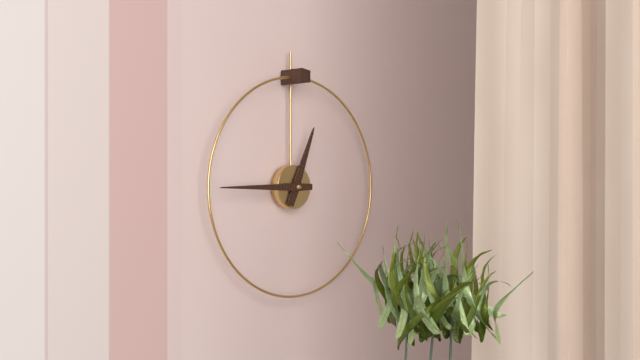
12h45
